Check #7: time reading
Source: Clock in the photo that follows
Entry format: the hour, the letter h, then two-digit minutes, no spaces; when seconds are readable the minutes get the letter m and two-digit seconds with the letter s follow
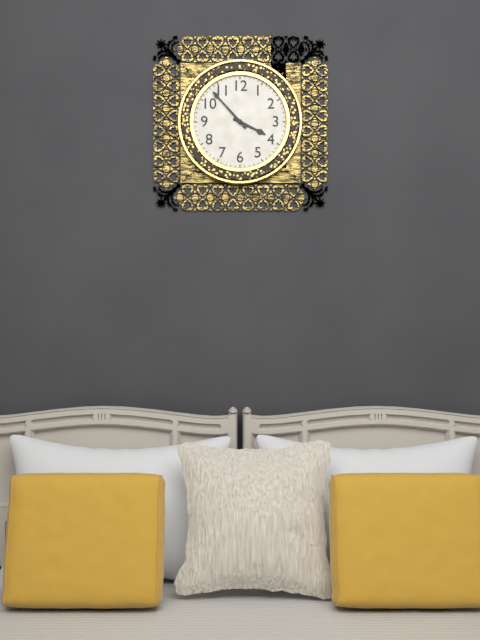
3h53
